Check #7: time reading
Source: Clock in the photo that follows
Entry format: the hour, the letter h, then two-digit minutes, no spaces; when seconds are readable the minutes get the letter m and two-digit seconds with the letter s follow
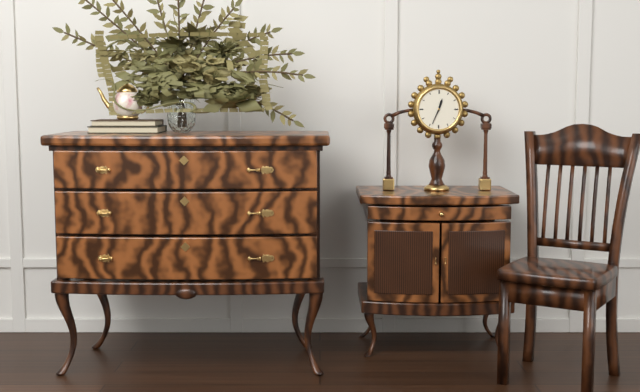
12h34
